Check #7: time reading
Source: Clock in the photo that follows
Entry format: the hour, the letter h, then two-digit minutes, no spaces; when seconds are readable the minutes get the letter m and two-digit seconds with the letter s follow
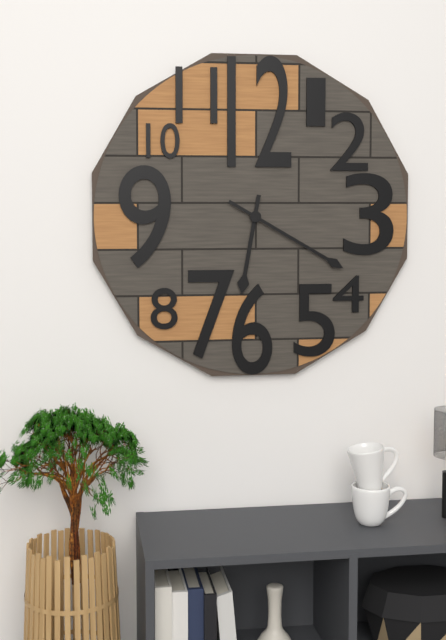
6h20
